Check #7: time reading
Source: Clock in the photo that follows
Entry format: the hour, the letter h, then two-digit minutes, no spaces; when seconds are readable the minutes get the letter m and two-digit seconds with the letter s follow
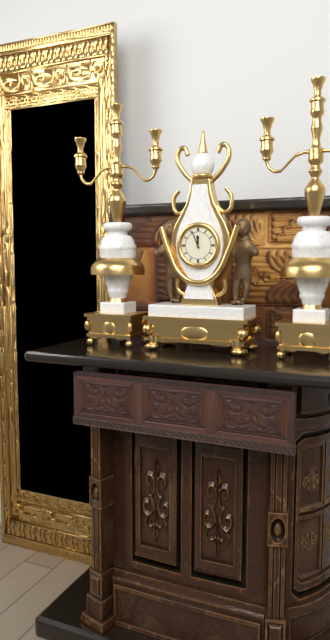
11h56
